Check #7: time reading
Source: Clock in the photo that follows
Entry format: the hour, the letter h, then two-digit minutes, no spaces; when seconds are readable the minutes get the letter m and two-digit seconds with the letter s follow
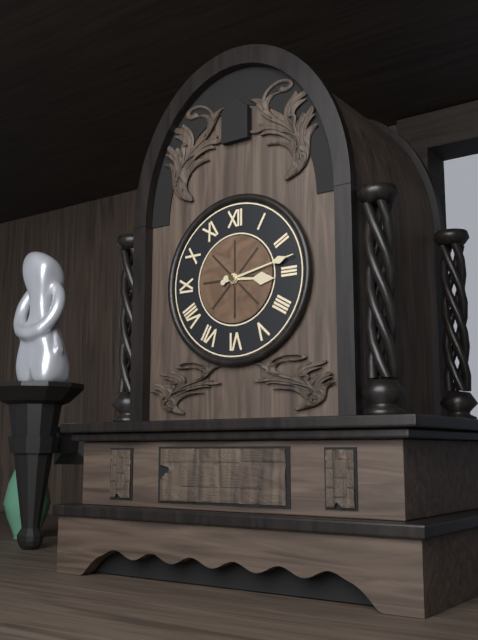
3h13
